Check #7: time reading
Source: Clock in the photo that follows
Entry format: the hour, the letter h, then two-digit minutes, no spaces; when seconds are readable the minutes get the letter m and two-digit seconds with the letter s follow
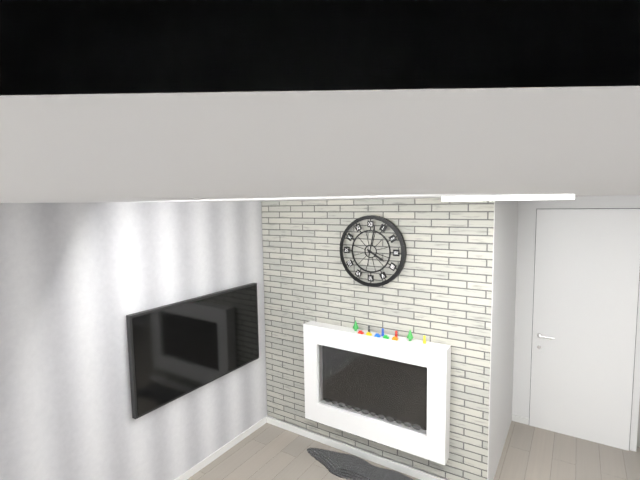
4h02
